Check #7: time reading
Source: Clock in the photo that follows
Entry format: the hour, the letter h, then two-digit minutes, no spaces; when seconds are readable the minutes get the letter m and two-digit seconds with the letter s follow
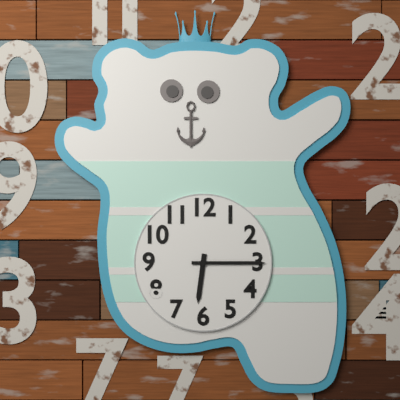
6h15
